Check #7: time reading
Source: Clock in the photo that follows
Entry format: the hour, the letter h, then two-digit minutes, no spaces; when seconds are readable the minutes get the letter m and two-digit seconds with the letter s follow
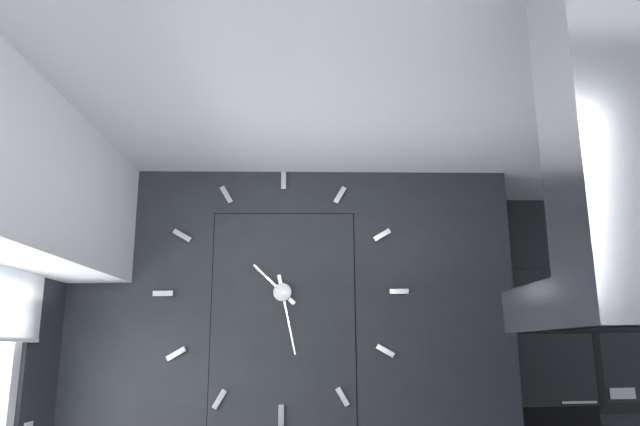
10h28
